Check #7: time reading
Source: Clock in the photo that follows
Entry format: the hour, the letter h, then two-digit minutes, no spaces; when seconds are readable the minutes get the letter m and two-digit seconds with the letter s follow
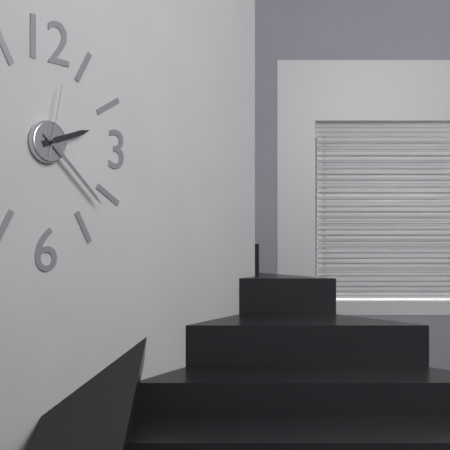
2h22m02s
